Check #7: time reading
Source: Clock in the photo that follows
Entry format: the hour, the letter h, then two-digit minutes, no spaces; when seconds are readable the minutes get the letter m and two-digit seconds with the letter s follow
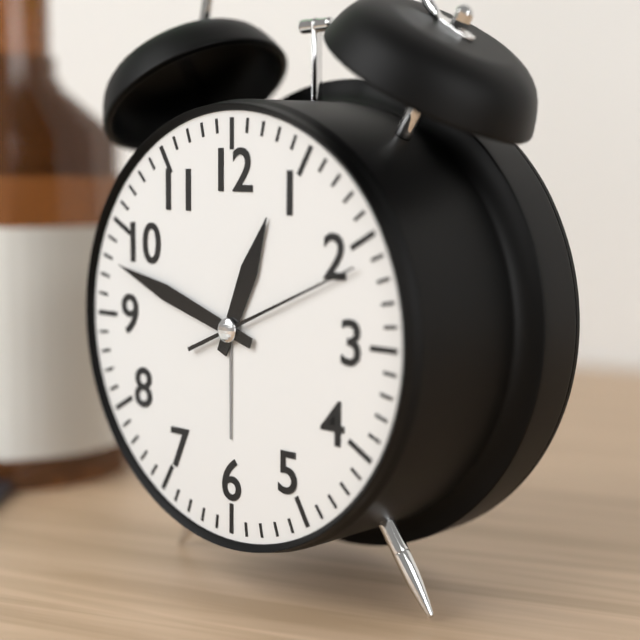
12h48m11s
